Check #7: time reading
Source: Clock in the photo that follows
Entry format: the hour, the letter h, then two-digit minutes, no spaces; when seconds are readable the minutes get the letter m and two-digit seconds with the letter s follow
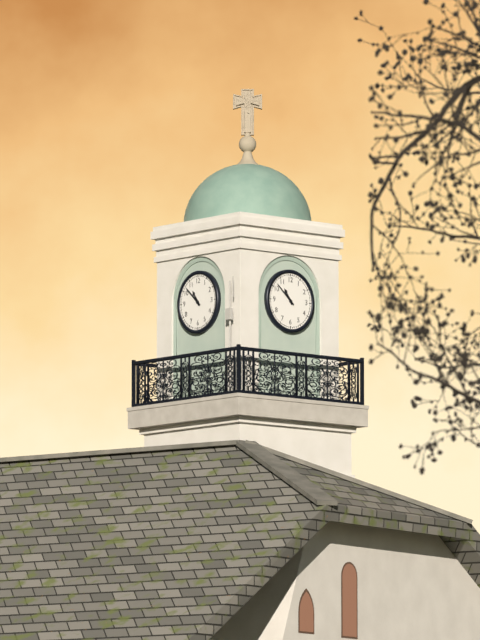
10h52
